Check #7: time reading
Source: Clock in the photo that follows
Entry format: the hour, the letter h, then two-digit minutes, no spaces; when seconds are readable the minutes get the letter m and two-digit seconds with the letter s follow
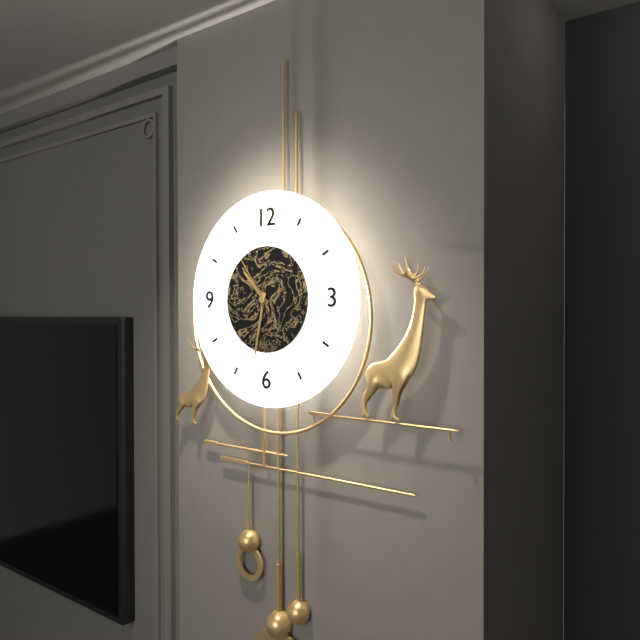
10h32m54s
